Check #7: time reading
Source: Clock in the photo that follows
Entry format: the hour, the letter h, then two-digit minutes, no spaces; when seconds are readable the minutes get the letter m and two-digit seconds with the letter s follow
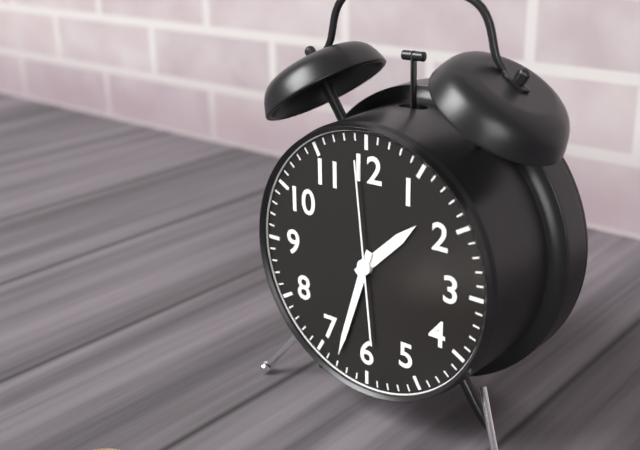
1h33m59s
